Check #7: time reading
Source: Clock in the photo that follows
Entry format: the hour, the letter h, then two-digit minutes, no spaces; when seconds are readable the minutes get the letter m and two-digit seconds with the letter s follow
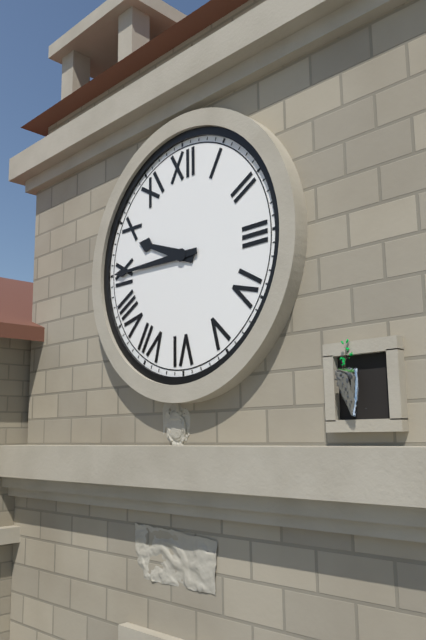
9h45
